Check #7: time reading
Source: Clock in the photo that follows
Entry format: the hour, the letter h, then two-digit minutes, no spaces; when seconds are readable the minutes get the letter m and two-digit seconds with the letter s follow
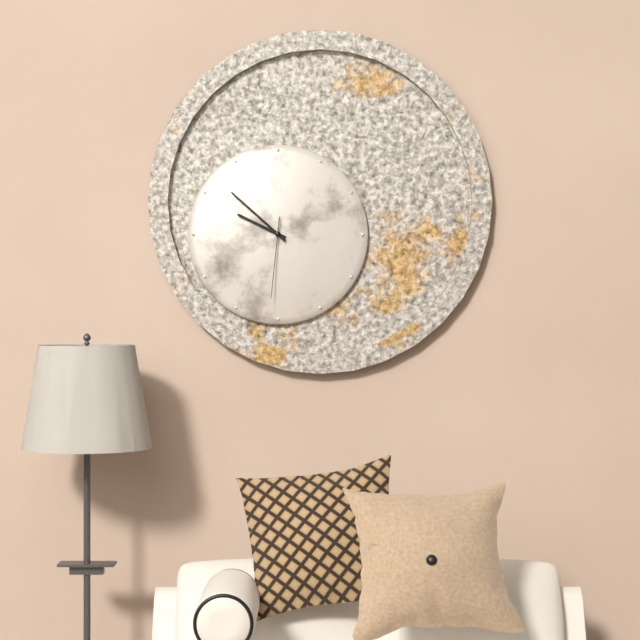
9h52m31s
